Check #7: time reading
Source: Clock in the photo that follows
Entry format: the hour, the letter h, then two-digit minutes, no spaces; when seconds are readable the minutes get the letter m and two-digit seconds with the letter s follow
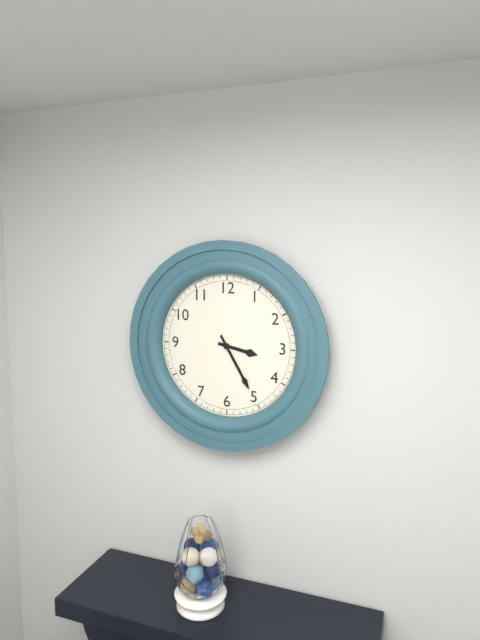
3h25
